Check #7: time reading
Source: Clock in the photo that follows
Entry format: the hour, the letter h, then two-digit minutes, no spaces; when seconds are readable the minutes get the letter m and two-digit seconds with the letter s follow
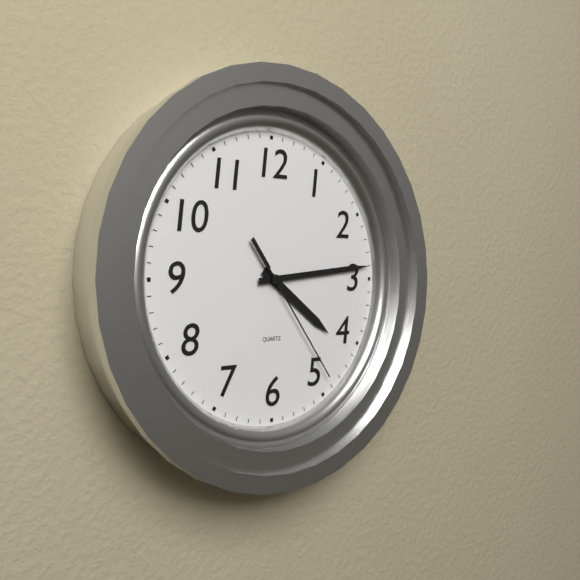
4h14m24s
